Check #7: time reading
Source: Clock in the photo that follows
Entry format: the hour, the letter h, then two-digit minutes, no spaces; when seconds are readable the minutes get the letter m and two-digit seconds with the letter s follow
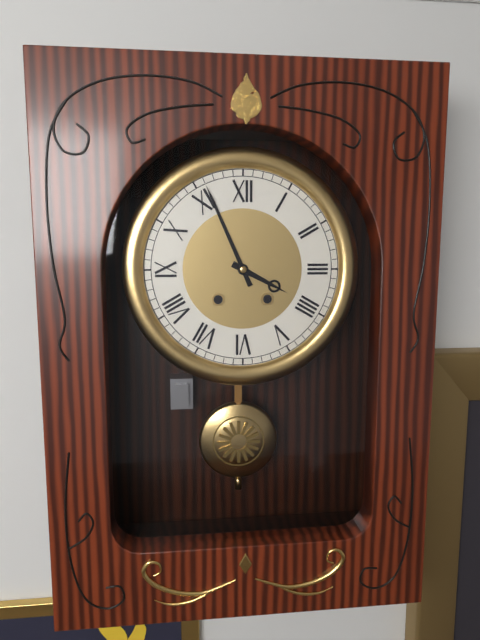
3h56
